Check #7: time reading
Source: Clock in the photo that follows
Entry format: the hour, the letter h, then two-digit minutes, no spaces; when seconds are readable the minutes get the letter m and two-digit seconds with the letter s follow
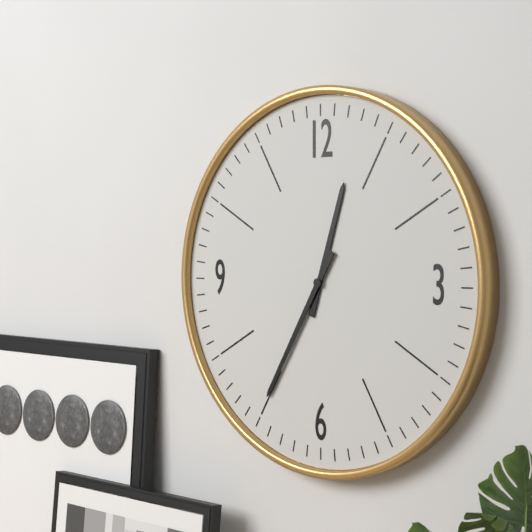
12h35
